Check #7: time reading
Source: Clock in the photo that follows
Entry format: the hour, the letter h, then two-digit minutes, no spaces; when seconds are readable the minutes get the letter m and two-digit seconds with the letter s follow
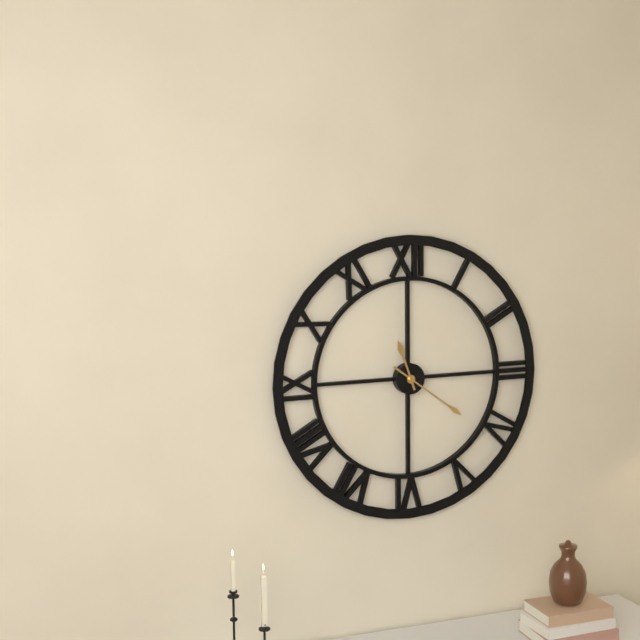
11h21
